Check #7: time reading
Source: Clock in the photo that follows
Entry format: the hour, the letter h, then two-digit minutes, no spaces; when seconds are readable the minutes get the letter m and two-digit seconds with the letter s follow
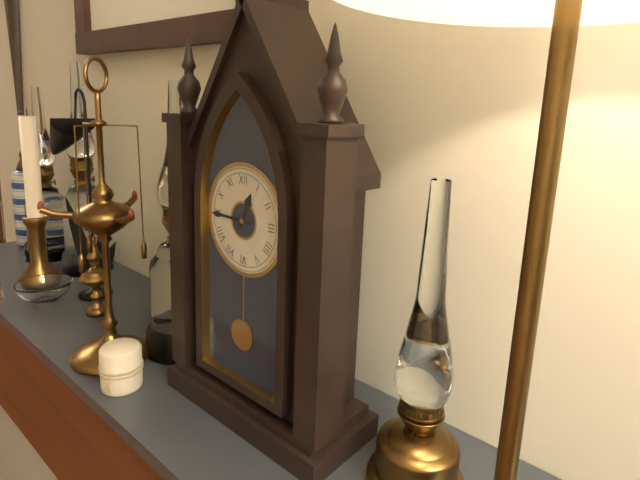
12h45
